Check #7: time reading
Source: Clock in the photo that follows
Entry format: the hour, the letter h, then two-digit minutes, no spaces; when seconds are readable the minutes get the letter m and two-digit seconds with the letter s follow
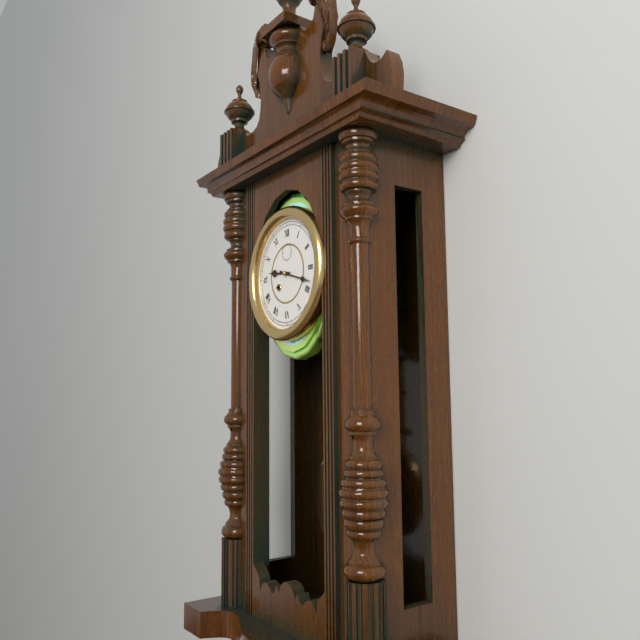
9h18
